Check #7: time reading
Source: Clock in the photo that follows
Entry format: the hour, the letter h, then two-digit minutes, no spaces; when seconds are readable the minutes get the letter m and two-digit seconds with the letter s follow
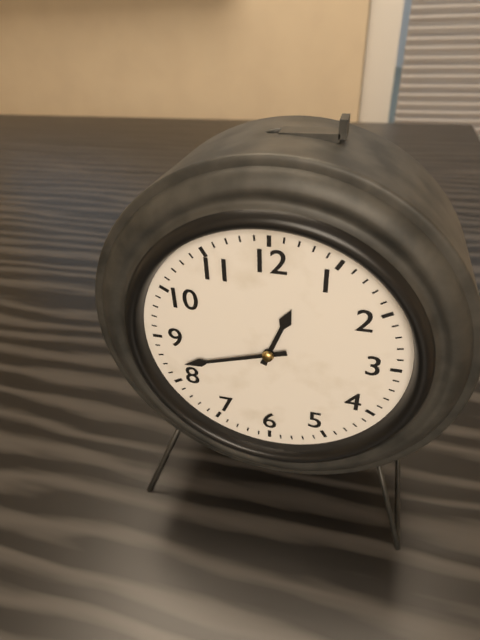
12h42
